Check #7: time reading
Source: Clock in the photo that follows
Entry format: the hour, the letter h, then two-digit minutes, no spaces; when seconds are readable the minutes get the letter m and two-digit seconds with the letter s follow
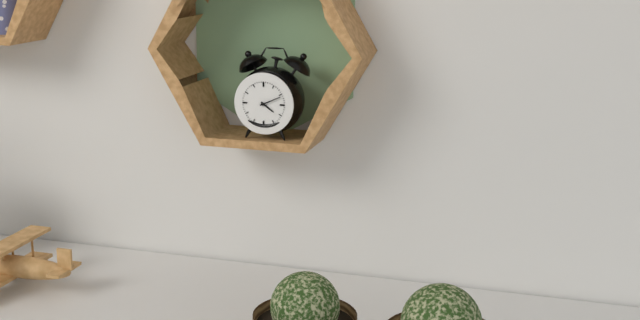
4h11
